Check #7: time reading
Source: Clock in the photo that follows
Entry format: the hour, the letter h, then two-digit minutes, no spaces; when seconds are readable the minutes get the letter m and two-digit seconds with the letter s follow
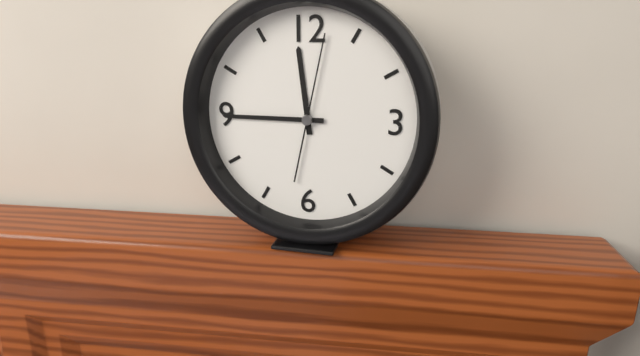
11h45m02s
